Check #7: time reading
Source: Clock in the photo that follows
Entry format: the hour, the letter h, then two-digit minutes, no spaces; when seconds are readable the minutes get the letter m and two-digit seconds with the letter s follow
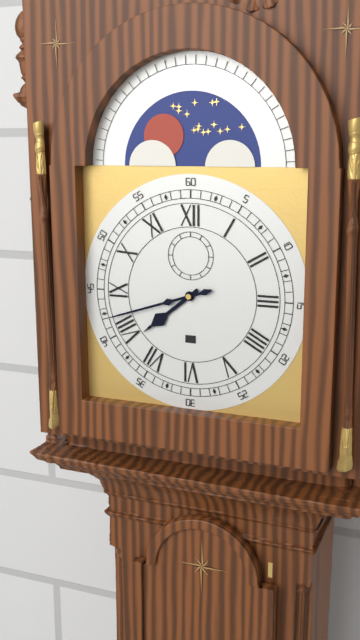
7h42
